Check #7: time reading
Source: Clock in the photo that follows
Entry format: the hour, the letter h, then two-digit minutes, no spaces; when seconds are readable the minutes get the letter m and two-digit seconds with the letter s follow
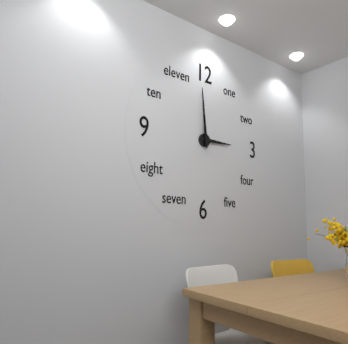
2h59
